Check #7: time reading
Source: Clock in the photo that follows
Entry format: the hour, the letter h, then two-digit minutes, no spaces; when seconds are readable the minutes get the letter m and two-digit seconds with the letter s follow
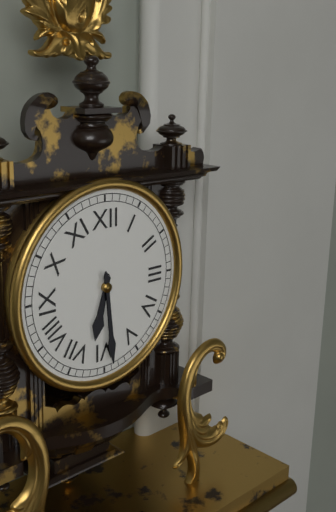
6h29
